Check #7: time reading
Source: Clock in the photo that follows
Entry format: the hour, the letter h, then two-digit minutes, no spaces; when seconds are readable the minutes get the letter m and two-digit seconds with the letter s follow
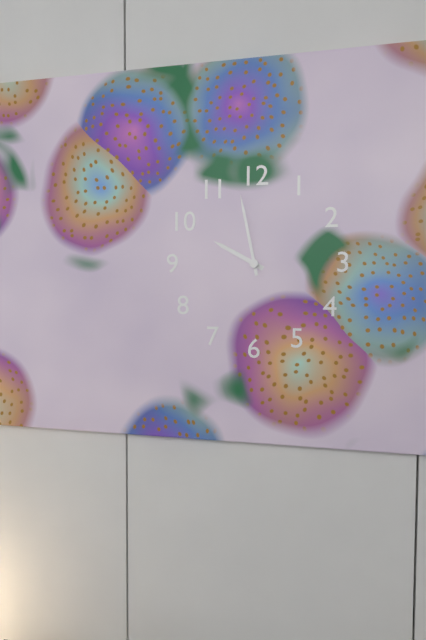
9h58
